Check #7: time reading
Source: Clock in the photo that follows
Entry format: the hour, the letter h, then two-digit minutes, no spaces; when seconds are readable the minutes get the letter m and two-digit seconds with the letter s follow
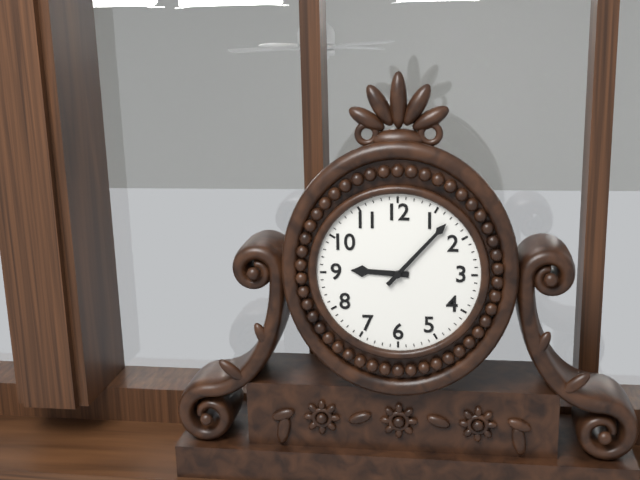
9h07
